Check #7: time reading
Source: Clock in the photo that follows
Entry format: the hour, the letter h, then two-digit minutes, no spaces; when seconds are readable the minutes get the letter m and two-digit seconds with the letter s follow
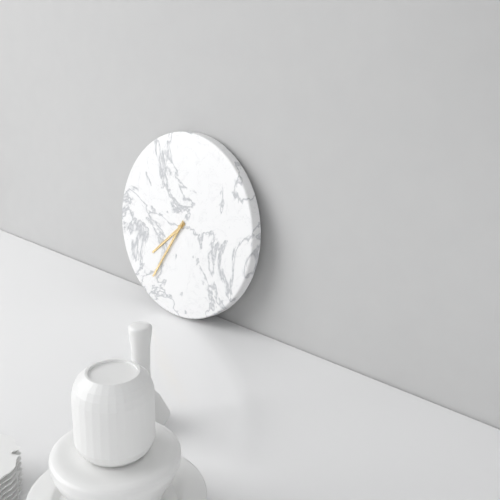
7h35
